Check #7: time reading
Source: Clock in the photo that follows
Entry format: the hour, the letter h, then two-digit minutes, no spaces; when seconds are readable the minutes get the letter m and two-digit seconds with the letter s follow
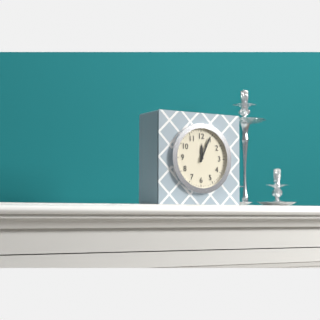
12h04
